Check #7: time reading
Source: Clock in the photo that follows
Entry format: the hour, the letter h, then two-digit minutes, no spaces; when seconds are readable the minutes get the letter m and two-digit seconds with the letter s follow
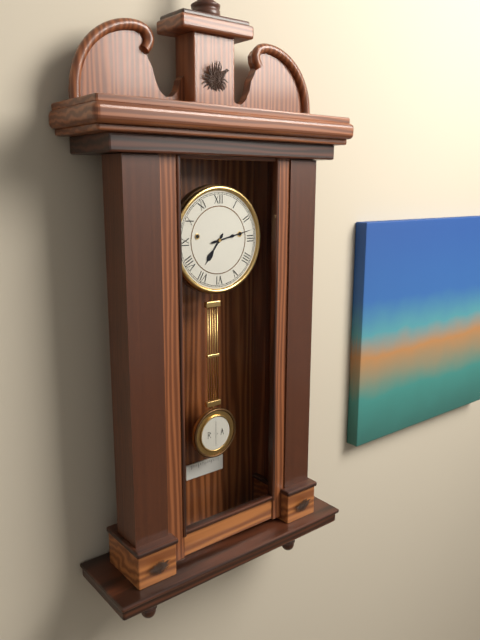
7h13
